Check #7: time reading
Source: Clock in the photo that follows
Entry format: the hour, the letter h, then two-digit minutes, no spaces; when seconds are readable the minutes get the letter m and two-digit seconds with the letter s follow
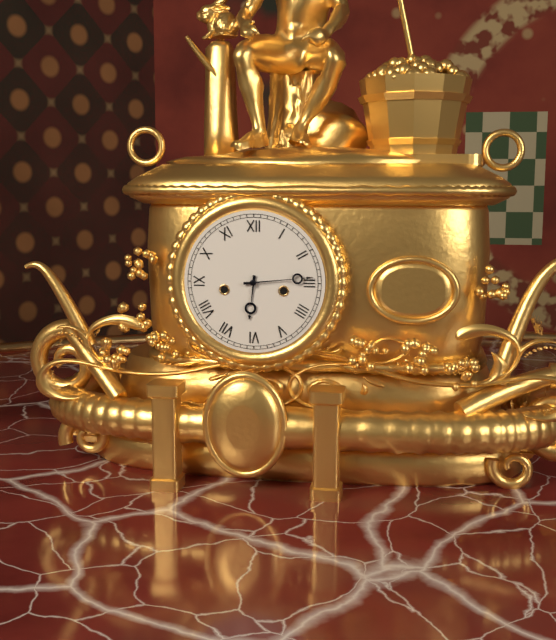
6h14
